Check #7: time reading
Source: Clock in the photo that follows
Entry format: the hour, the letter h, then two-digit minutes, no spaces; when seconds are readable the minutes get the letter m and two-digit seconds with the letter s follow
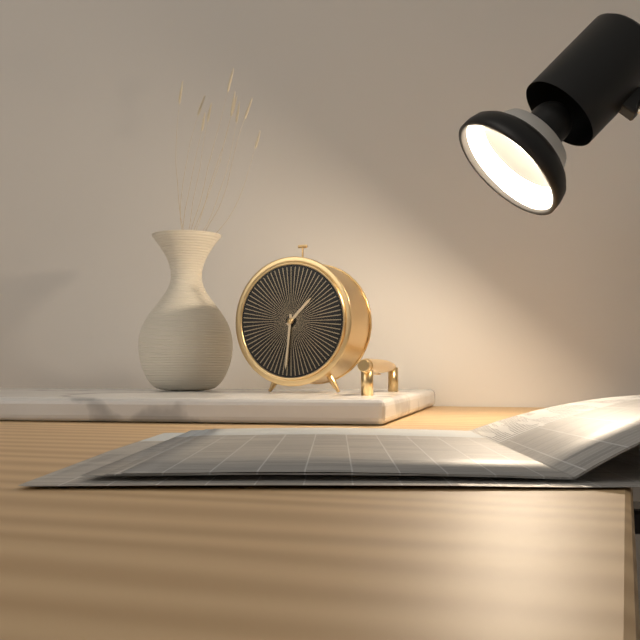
1h31
